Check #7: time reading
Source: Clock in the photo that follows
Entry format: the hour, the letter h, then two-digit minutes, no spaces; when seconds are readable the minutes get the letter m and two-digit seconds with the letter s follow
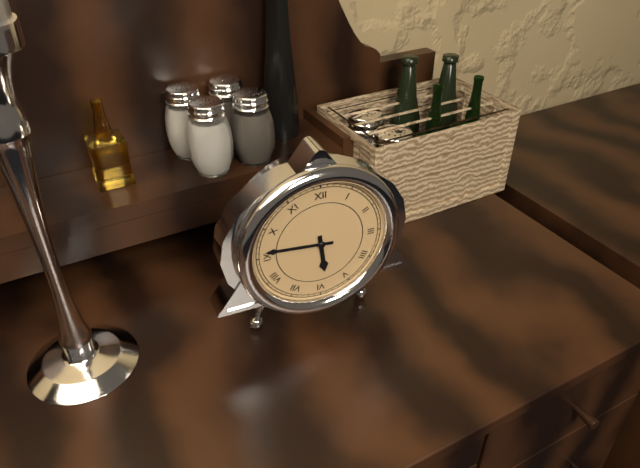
5h46
